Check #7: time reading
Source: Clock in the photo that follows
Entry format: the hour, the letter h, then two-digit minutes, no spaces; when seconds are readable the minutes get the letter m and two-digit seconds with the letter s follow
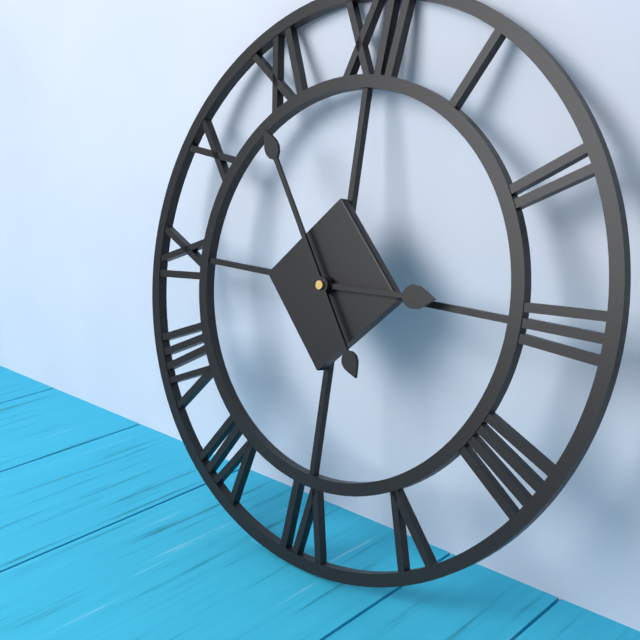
2h54
